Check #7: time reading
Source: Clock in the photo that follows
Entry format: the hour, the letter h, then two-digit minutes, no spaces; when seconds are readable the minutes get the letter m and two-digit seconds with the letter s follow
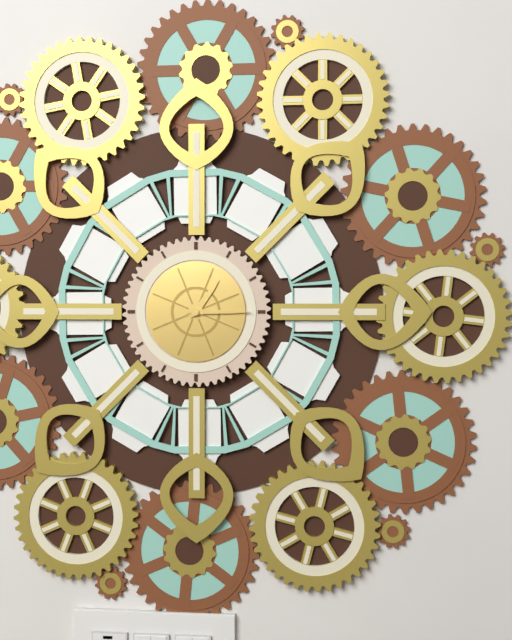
1h15
